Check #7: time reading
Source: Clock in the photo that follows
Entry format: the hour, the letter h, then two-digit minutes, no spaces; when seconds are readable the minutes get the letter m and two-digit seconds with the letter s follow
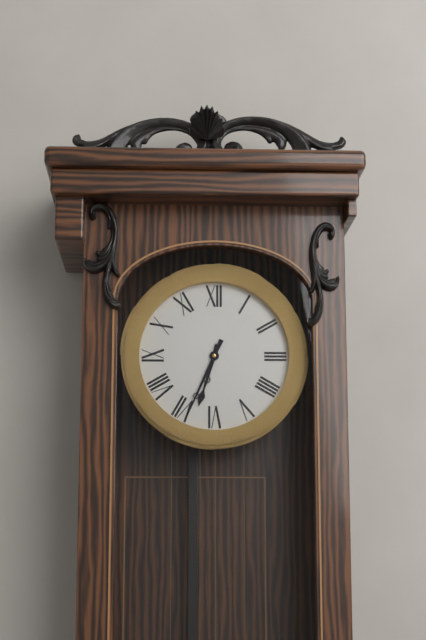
6h34
